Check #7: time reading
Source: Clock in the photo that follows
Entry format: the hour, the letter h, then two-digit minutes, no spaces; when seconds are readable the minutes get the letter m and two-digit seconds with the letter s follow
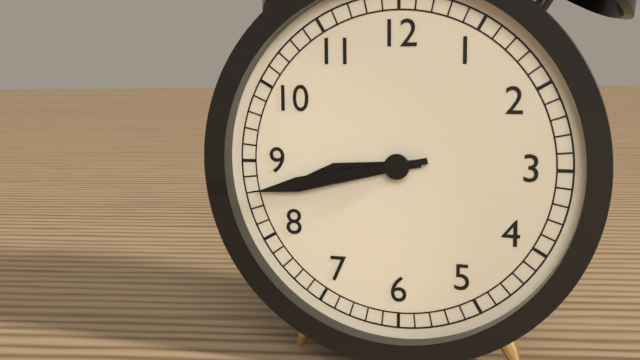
8h43
